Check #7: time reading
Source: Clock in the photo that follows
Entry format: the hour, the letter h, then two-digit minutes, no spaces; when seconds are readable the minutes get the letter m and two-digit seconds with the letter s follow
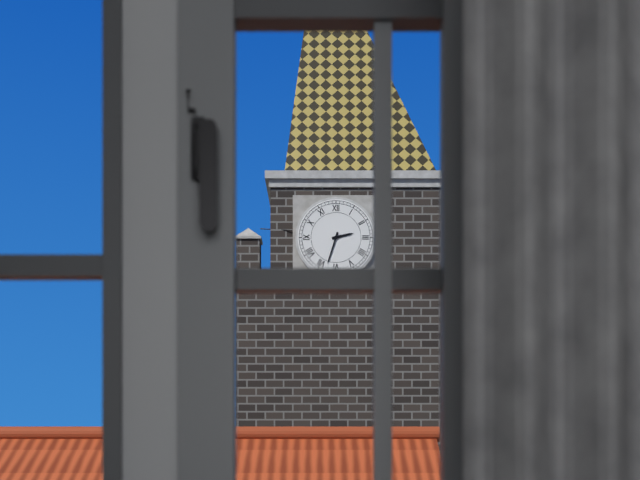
2h33
